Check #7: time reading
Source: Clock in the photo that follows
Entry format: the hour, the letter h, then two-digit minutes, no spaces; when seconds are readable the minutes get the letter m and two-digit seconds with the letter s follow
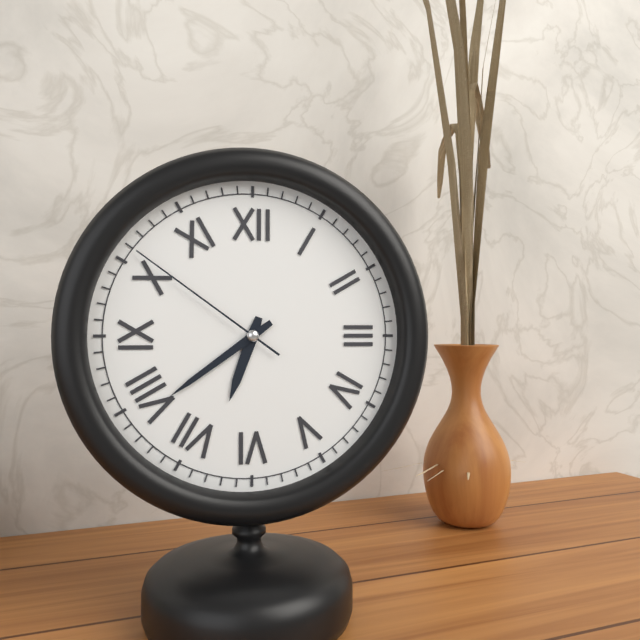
6h39m51s
